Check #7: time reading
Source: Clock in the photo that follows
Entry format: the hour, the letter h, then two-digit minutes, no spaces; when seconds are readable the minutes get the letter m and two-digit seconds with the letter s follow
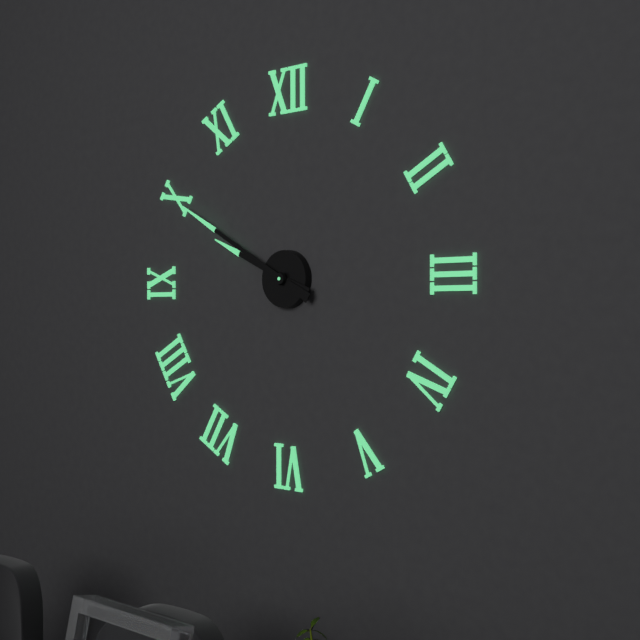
9h50
